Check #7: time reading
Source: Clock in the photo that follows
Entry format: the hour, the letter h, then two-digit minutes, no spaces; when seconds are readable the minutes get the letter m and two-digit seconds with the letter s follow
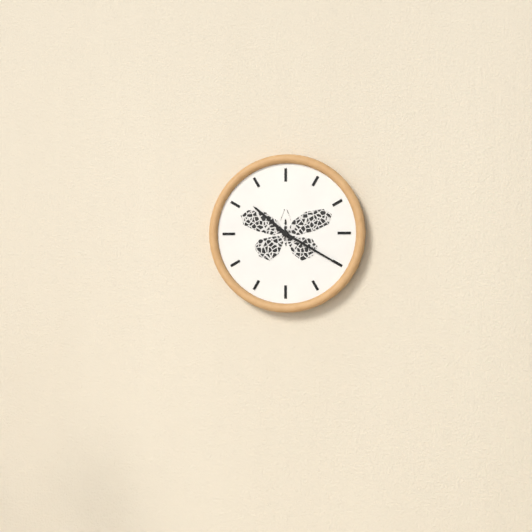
10h20
